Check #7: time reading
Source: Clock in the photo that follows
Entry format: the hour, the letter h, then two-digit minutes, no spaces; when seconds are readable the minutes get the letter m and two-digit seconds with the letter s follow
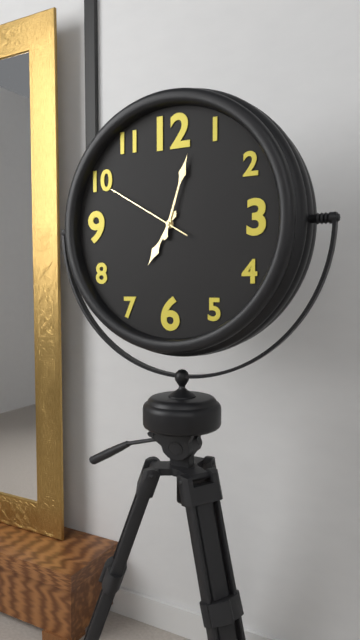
7h03m50s
